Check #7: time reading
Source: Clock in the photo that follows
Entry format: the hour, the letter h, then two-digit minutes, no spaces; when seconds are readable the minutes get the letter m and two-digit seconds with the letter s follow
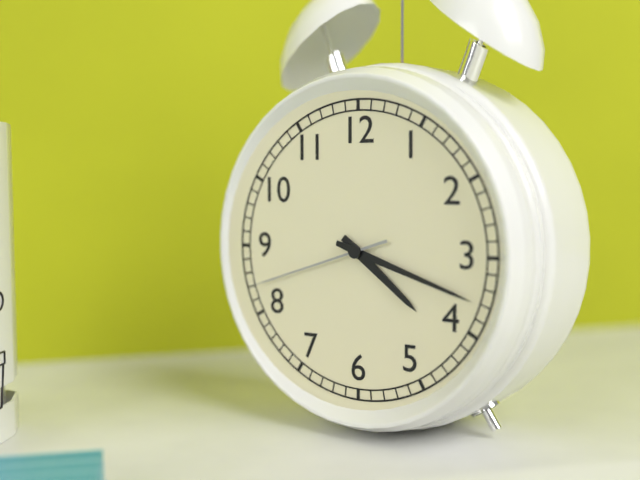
4h18m42s
